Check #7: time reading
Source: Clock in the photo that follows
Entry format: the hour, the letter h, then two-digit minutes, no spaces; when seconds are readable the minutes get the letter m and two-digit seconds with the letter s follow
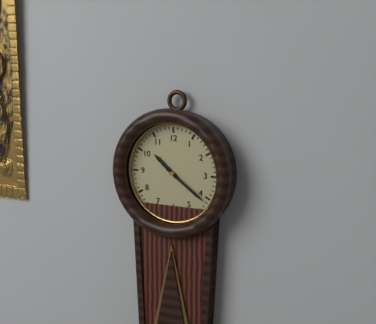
10h21
